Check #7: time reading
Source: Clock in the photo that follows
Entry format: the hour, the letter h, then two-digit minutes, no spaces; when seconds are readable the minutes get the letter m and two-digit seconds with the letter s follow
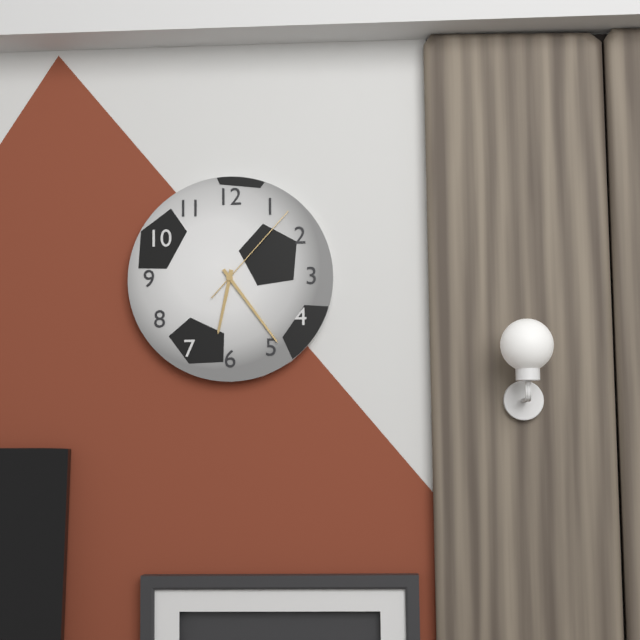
6h24m07s
